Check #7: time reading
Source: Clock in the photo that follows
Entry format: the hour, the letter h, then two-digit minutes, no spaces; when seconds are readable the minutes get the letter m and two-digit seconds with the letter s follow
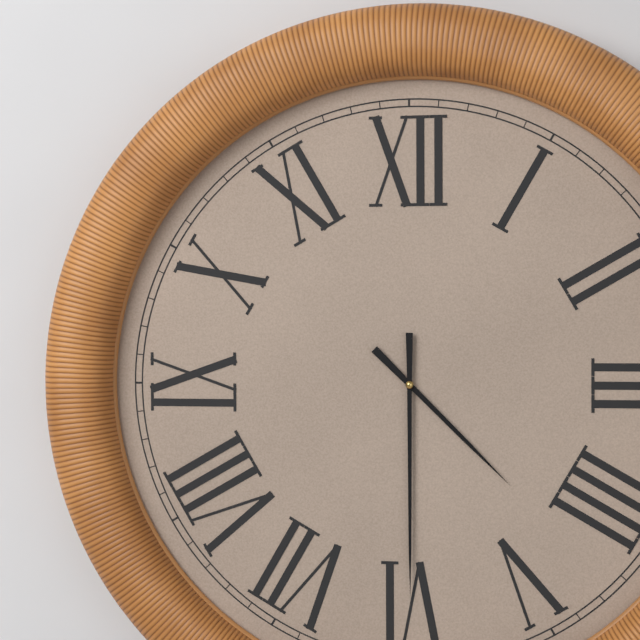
4h30
